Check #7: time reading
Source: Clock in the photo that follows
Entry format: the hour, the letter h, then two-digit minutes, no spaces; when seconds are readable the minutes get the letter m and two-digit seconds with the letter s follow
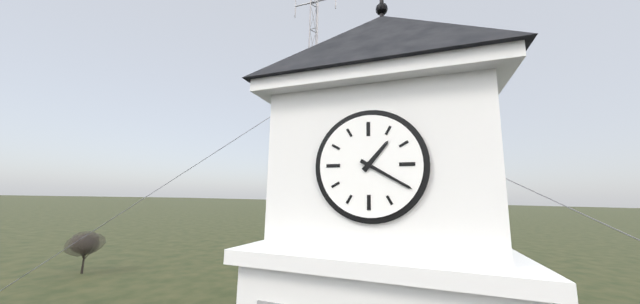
1h20
